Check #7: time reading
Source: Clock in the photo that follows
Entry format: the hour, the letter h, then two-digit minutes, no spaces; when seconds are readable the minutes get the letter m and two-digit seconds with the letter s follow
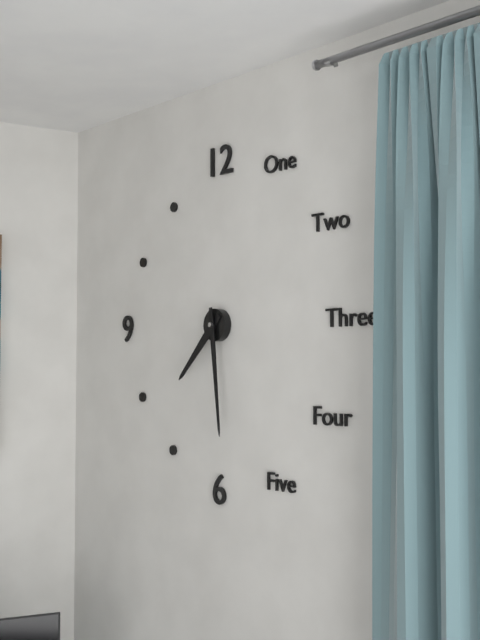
7h29
